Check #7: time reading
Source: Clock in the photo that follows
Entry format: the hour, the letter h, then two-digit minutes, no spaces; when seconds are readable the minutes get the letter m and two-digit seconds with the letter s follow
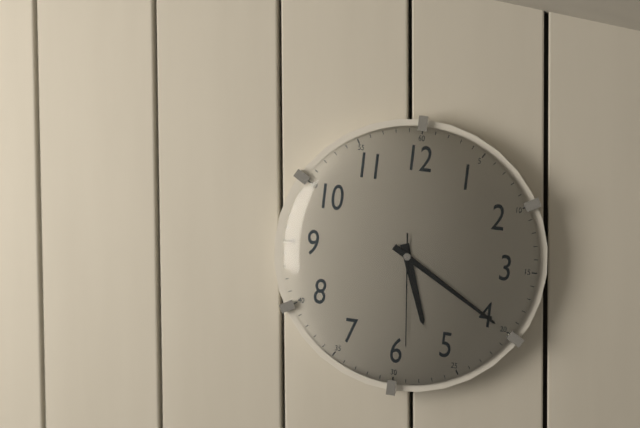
5h20m29s
